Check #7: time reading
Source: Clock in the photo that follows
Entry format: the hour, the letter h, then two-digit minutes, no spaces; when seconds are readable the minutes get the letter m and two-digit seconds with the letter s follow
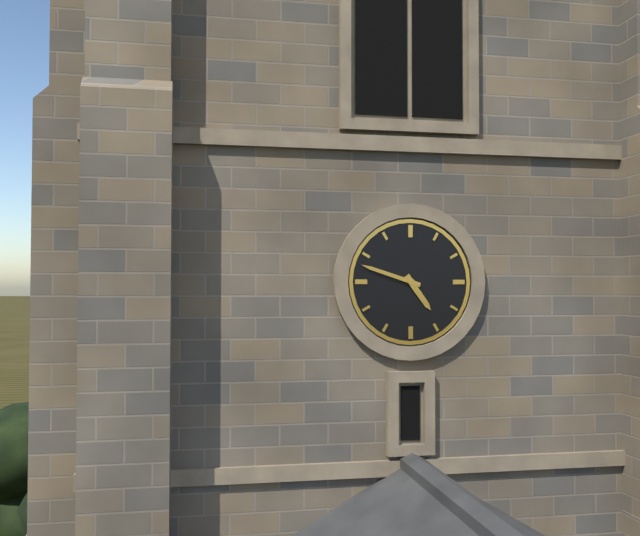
4h48
